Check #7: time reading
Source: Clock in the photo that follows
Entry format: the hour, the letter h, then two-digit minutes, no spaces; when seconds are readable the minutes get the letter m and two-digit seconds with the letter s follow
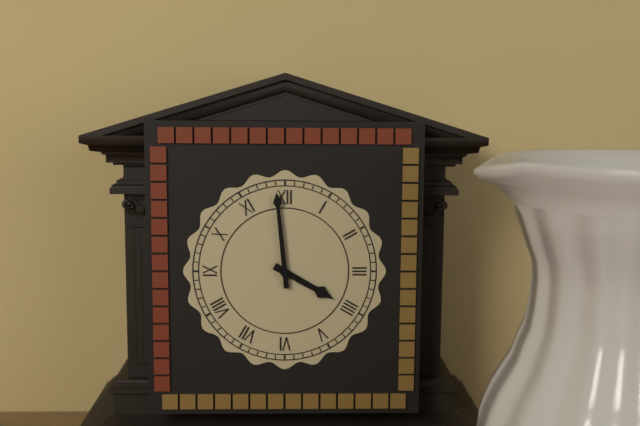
3h59
